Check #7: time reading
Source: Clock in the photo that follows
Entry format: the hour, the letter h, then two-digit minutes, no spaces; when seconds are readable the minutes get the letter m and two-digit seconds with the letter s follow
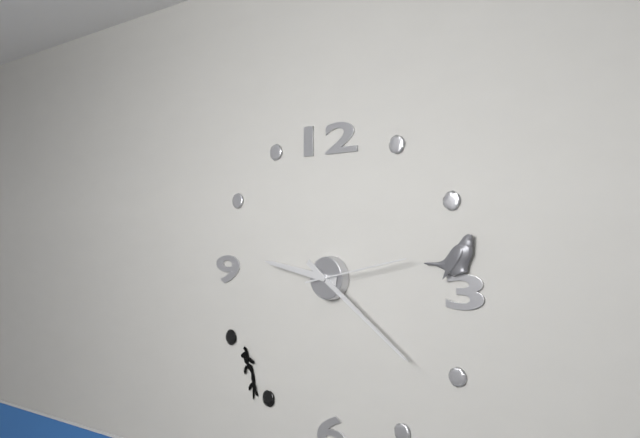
9h21m13s
